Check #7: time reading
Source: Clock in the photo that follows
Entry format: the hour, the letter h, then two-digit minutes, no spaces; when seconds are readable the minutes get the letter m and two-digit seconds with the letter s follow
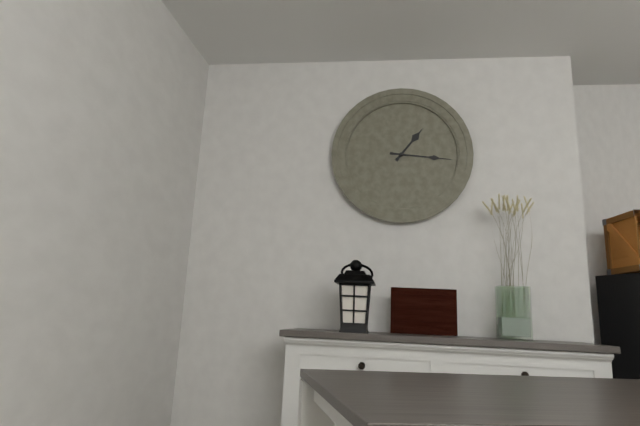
1h16
